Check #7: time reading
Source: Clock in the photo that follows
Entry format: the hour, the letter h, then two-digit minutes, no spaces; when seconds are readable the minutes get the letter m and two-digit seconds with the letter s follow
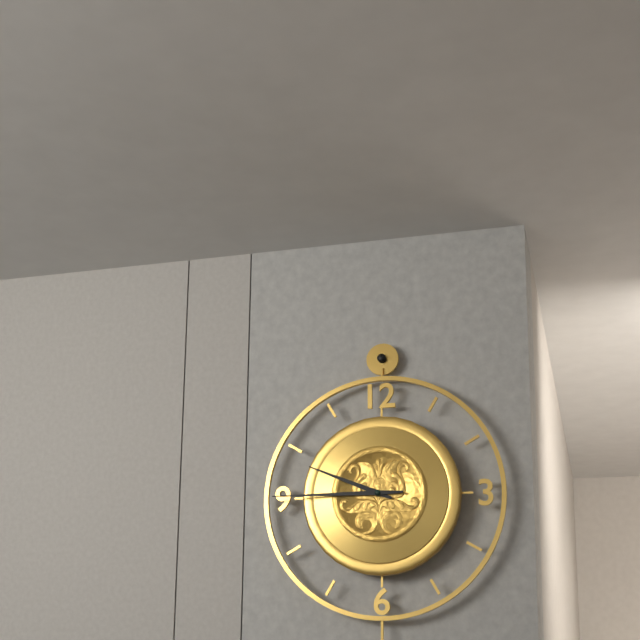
9h45
